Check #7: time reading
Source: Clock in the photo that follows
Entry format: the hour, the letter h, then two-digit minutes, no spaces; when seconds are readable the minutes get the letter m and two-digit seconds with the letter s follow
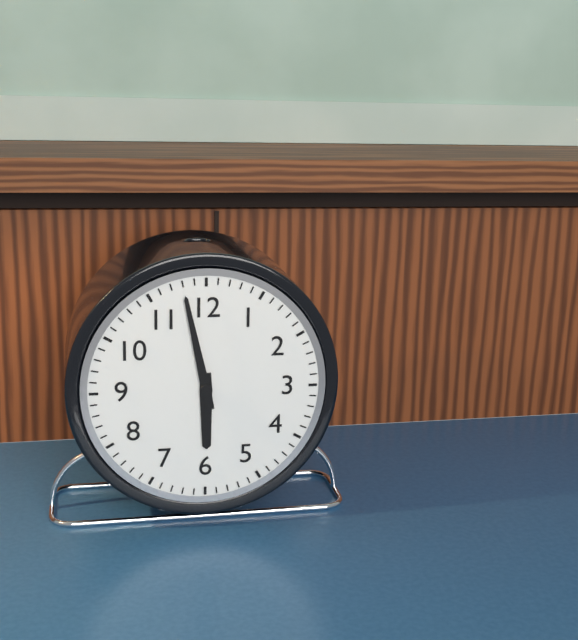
5h58
